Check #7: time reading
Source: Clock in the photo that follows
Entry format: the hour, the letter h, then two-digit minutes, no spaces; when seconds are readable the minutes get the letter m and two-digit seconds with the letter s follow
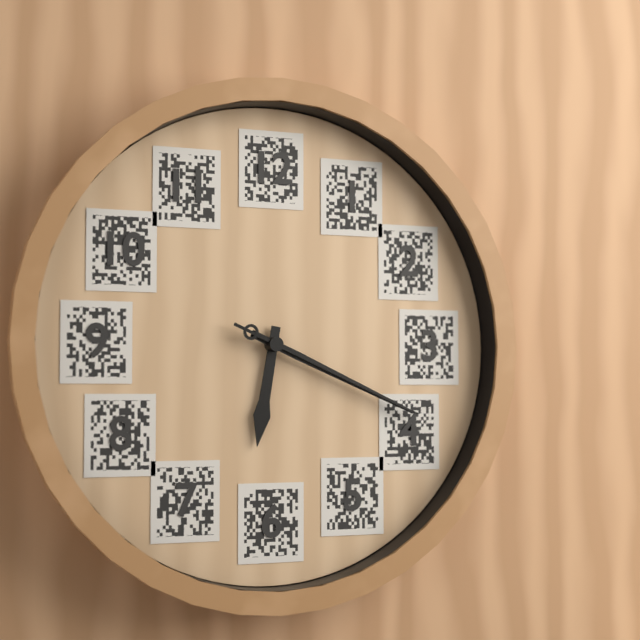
6h19m19s
